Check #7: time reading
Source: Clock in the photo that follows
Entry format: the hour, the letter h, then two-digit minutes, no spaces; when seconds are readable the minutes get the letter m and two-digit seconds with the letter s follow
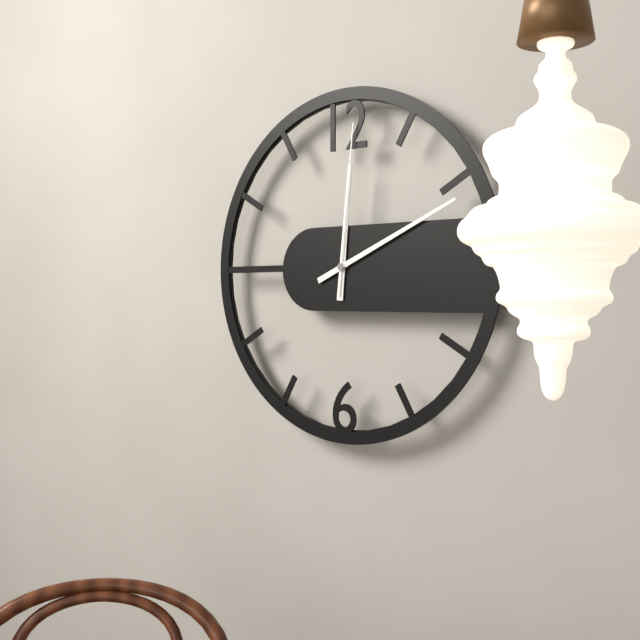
12h11m01s
